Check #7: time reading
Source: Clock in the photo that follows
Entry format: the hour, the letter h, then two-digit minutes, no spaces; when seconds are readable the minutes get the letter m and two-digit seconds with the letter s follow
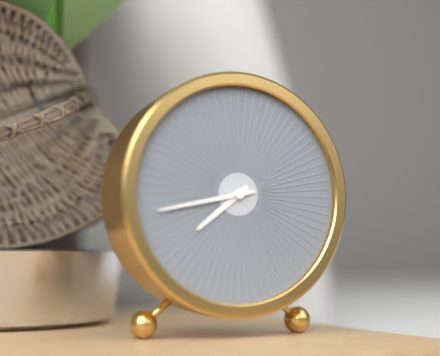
7h43
